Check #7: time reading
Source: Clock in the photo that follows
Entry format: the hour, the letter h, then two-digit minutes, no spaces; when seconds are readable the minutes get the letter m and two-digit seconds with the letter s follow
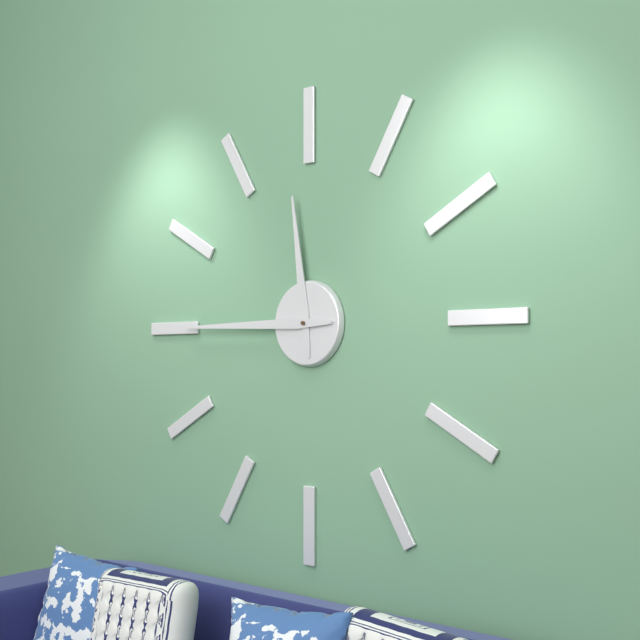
11h45
